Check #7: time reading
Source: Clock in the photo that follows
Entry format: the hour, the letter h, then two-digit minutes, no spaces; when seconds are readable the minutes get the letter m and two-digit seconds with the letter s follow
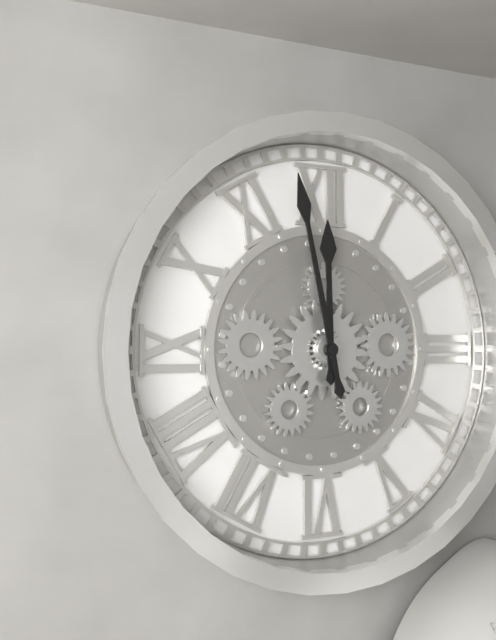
11h58
